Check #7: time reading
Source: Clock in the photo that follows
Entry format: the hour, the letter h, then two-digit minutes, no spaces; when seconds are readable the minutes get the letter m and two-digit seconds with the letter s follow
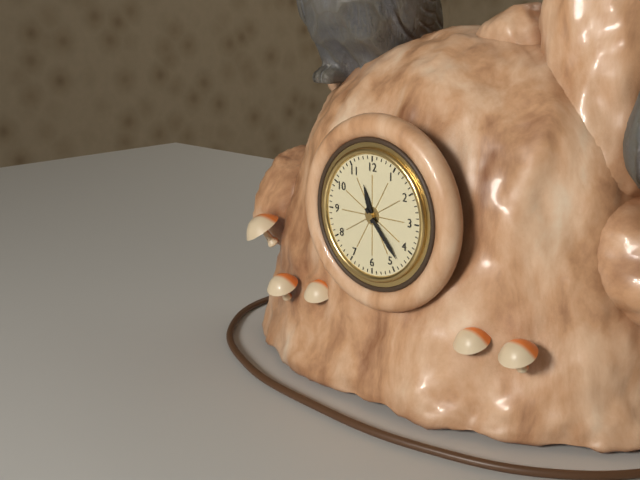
11h23
